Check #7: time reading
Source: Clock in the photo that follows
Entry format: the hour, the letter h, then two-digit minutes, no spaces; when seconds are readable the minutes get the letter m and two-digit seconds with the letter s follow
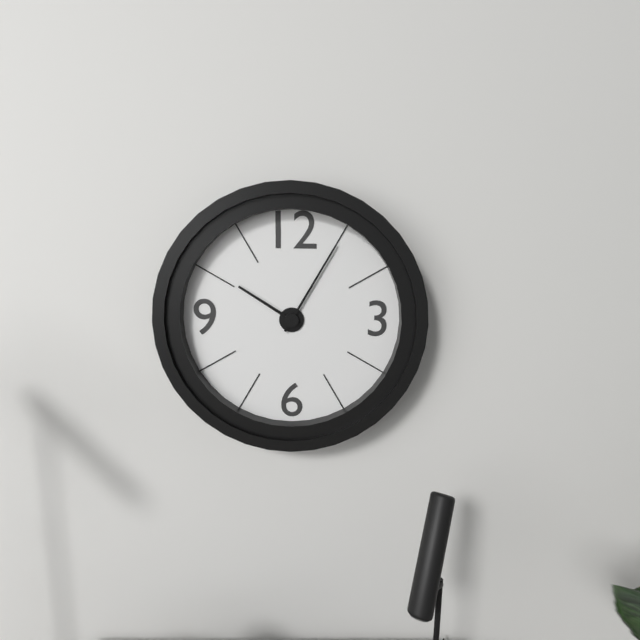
10h05
